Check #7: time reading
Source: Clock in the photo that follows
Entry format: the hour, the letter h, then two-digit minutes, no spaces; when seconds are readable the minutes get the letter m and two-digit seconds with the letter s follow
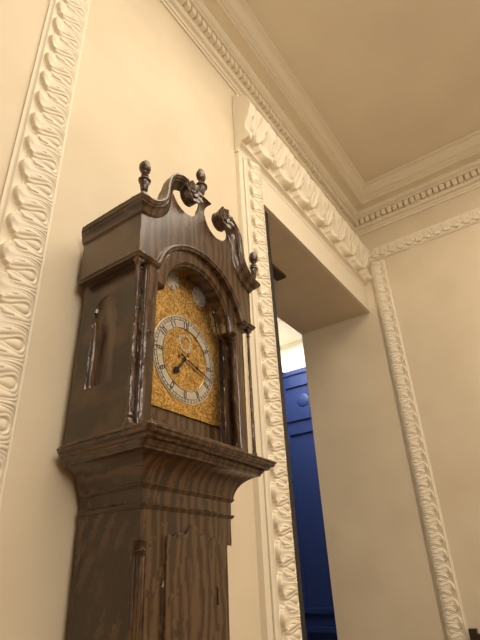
7h18
